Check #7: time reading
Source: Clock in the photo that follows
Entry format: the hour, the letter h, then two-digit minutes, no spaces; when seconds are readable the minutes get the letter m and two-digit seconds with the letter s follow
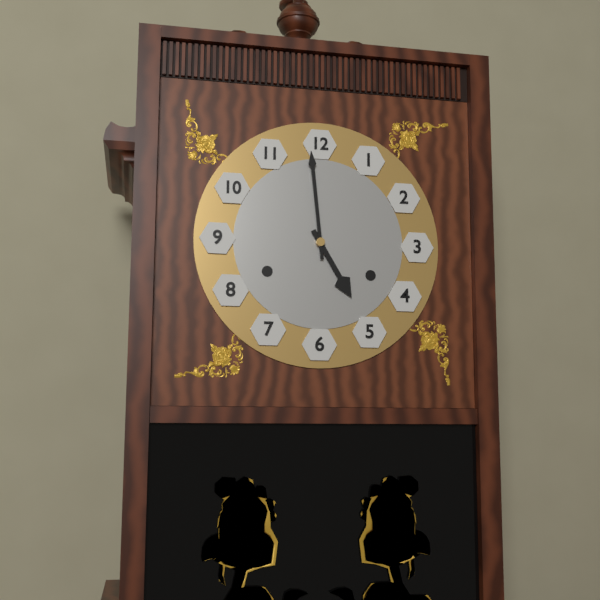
4h59
